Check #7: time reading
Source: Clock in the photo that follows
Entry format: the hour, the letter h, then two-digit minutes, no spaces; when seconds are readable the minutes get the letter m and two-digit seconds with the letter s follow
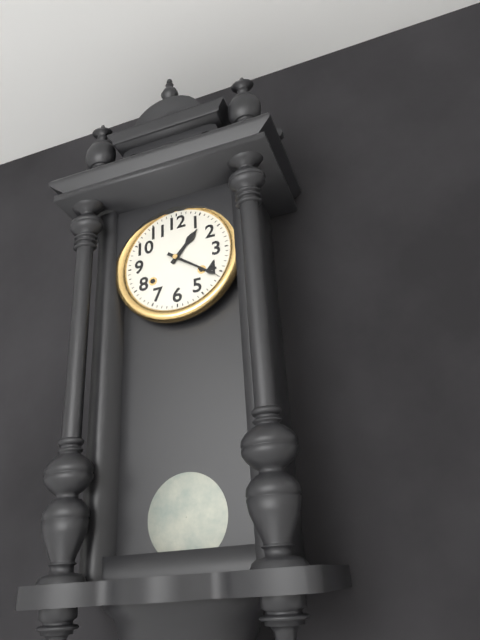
1h21
